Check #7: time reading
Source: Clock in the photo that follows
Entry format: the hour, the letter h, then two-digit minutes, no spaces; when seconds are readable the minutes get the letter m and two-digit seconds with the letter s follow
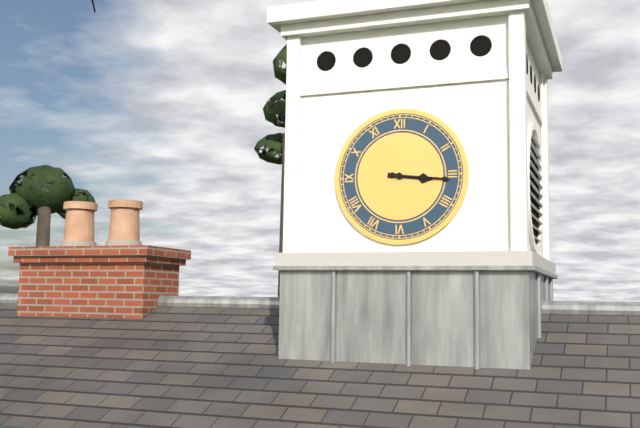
3h16
